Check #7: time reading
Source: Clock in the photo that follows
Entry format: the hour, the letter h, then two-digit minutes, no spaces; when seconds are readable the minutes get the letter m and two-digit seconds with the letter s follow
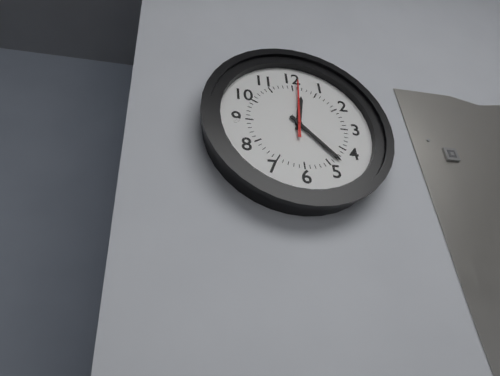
12h23m01s
